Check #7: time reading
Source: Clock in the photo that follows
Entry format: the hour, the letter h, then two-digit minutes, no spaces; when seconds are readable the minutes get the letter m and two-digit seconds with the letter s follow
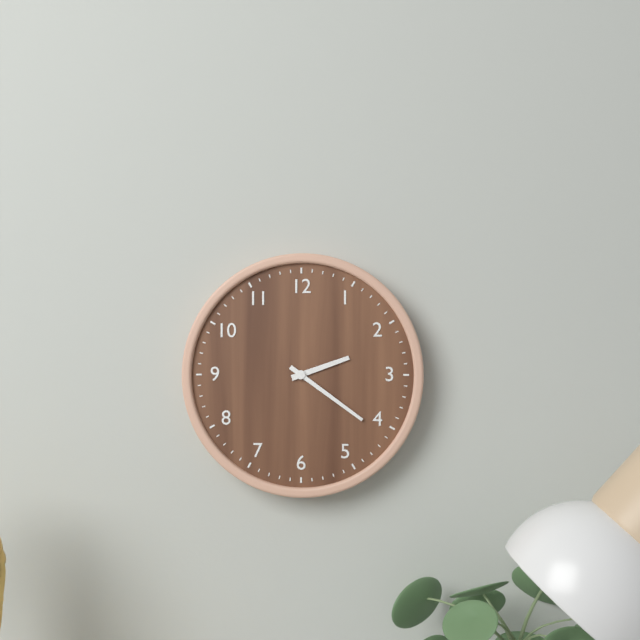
2h21
